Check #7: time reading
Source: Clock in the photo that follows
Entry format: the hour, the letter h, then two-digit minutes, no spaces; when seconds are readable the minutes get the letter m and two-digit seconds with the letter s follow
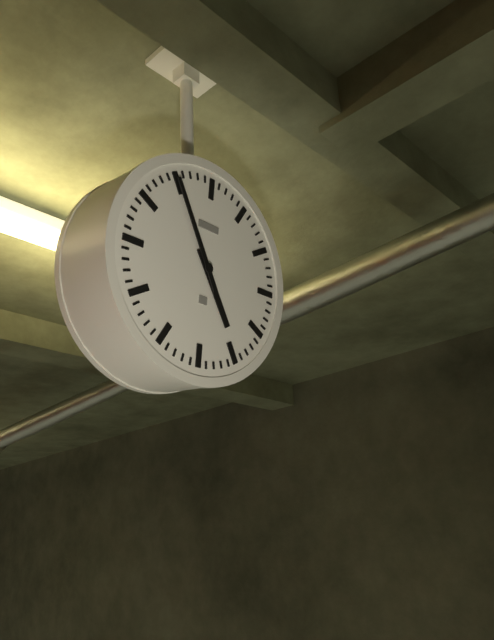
4h55
